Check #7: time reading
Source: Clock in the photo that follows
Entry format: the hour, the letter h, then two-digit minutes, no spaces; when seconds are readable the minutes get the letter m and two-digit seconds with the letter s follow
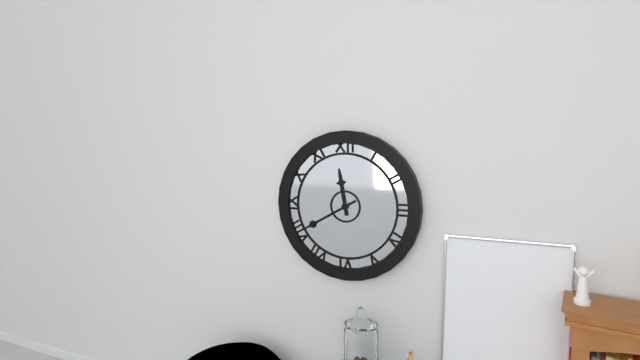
11h40
